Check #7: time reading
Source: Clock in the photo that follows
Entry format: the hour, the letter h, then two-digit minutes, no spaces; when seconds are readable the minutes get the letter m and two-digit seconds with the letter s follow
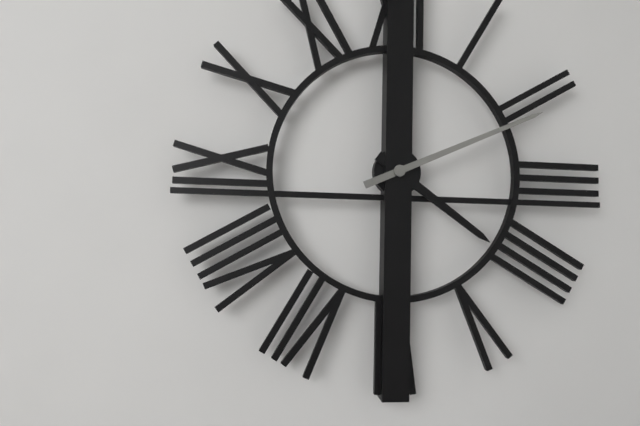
4h11
